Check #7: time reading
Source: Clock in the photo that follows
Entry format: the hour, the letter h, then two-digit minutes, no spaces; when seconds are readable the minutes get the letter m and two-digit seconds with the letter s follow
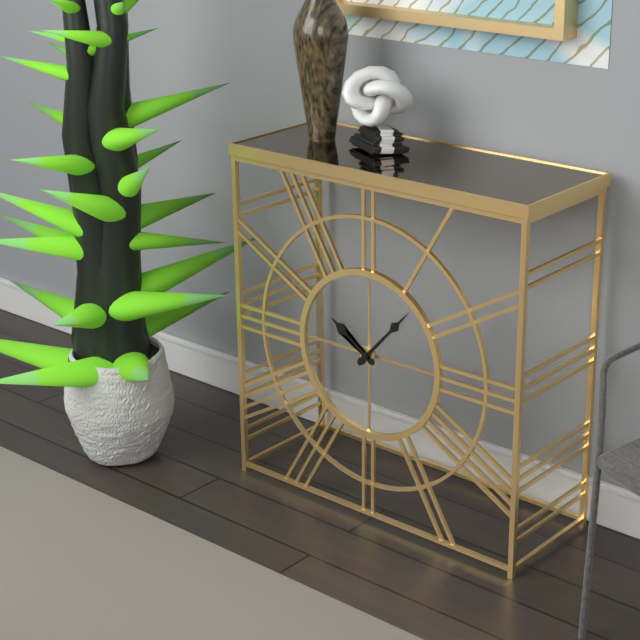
10h07
